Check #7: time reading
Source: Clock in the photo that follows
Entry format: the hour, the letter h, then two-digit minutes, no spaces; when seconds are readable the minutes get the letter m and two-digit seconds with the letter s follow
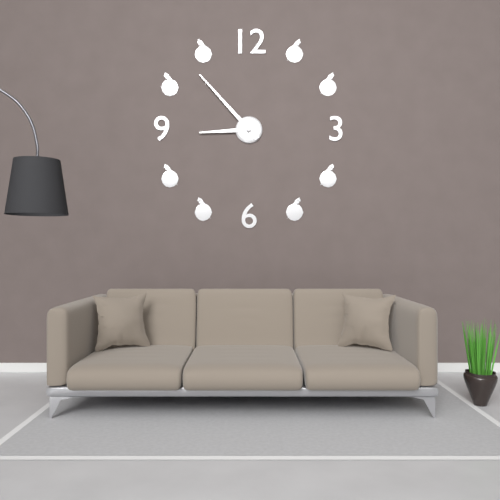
8h53
